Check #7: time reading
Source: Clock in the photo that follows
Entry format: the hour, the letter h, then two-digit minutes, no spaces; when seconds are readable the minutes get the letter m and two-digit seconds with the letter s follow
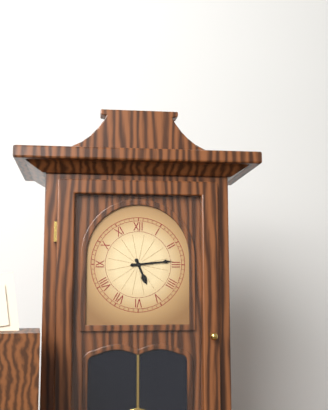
5h14
